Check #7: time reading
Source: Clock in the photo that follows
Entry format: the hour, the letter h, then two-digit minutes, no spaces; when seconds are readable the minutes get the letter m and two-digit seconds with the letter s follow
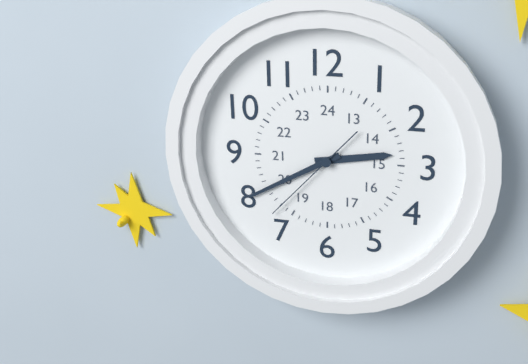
2h40m37s
